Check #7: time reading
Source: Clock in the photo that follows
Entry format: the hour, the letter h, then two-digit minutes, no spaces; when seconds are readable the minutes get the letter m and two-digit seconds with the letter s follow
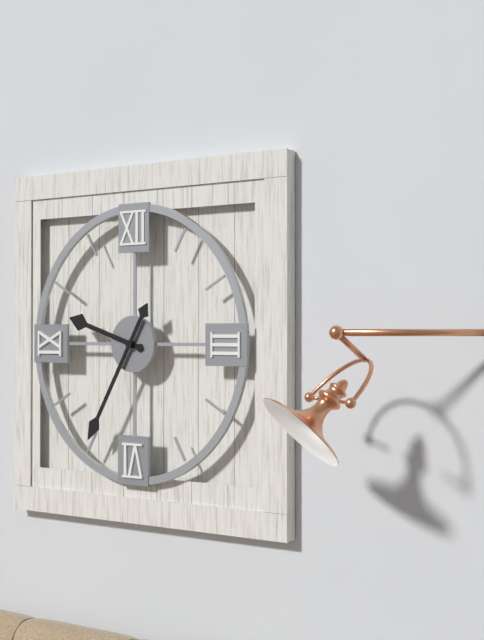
9h35
